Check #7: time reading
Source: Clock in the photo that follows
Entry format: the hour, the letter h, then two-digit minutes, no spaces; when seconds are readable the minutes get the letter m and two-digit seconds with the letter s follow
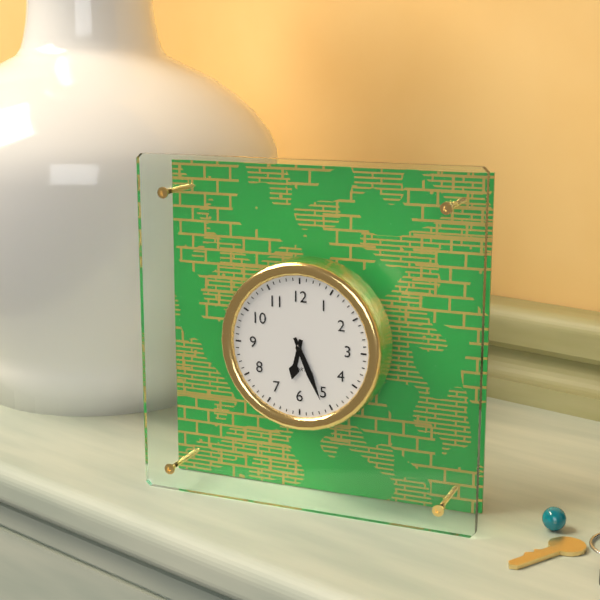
6h26
